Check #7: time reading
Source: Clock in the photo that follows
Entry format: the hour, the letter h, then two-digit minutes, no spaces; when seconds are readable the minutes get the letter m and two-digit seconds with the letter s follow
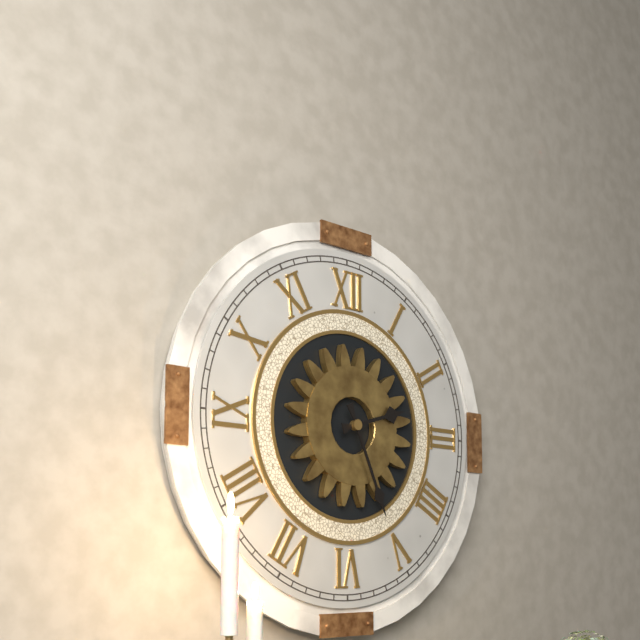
2h26
